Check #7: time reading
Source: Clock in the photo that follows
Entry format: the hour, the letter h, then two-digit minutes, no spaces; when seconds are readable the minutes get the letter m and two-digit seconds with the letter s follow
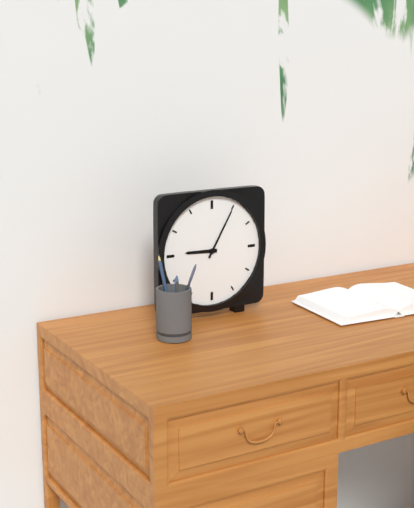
9h05
